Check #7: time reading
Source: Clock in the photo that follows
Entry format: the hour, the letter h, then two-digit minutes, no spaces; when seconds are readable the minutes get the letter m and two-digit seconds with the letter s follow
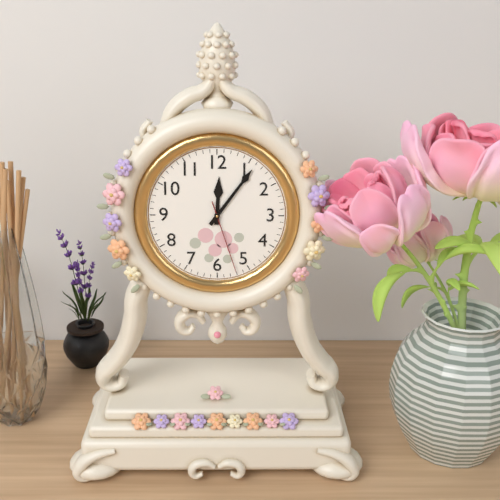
12h06m27s
